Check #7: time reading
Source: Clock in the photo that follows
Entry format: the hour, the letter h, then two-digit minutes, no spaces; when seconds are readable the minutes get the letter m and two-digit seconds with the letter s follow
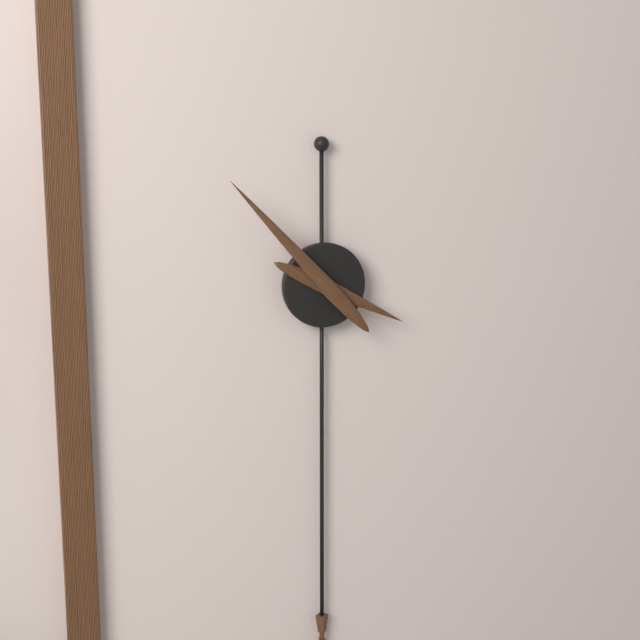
3h53
